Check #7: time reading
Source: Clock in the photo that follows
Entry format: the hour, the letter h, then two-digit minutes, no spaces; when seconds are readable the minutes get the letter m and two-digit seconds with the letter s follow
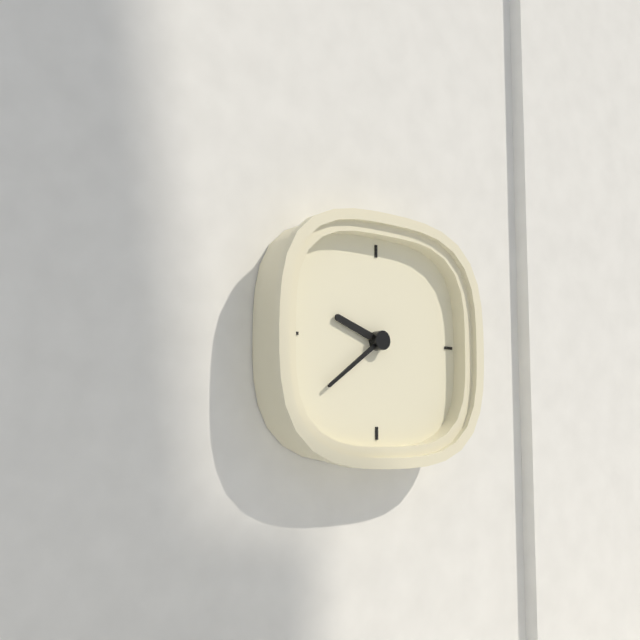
9h39
